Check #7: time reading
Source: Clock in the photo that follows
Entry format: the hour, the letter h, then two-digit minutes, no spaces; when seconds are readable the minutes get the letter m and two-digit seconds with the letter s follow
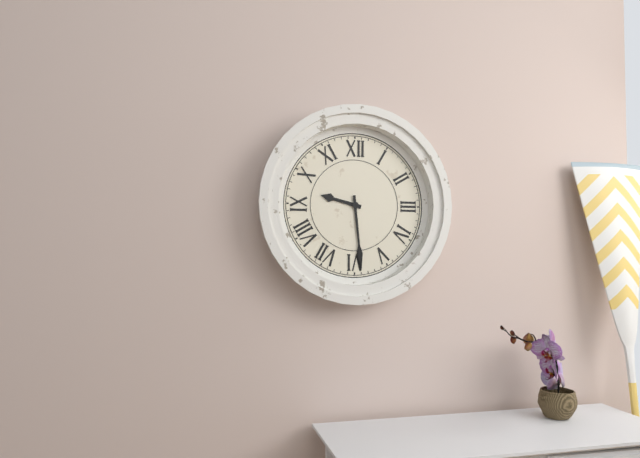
9h29
